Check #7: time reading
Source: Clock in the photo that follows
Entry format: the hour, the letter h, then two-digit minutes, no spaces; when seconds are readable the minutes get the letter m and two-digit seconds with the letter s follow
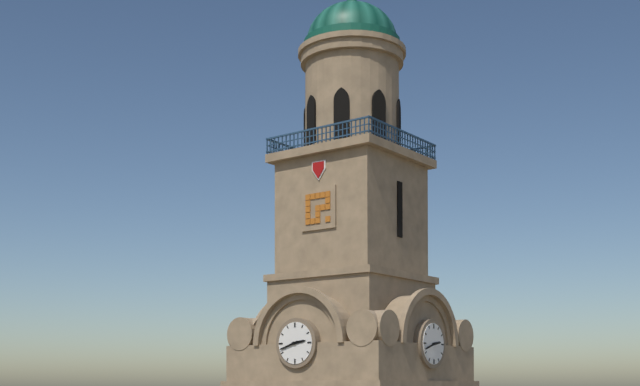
2h42
